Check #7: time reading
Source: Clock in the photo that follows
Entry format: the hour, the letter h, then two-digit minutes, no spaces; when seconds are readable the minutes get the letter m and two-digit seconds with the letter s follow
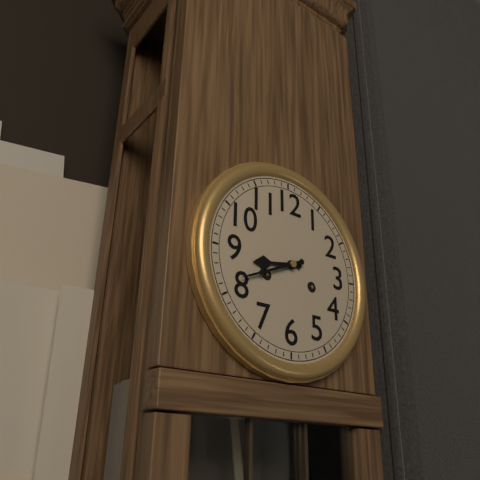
8h41
